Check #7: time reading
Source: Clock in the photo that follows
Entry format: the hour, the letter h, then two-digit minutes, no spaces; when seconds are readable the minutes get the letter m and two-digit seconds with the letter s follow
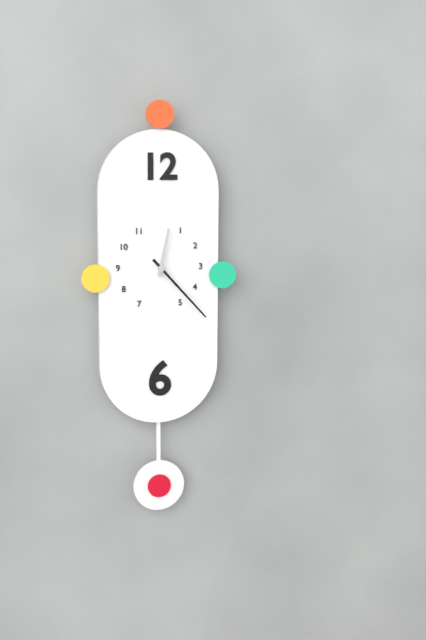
12h23
